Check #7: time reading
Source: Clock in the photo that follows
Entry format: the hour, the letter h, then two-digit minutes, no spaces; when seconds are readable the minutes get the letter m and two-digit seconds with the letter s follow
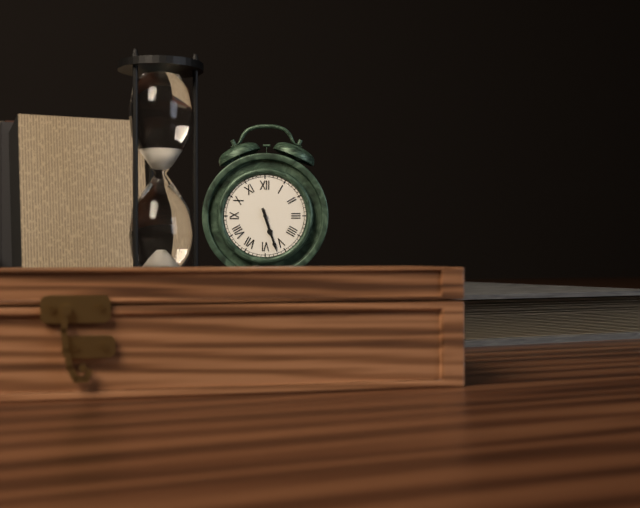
5h27
